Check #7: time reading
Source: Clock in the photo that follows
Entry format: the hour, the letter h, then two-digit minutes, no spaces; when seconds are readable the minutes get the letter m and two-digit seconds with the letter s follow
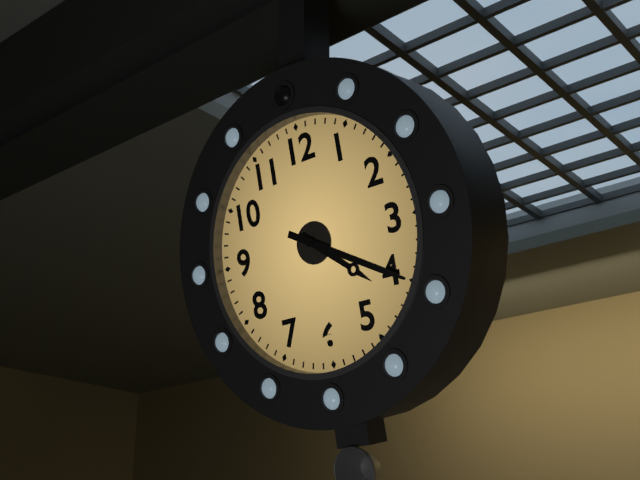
4h20
